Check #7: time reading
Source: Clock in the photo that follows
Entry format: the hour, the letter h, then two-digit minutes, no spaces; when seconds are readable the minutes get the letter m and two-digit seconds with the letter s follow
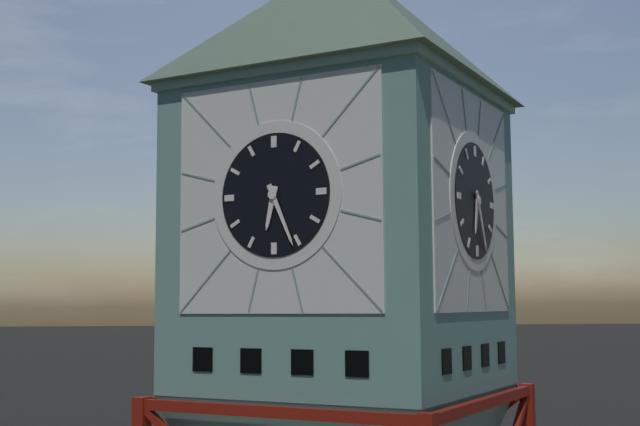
6h26
